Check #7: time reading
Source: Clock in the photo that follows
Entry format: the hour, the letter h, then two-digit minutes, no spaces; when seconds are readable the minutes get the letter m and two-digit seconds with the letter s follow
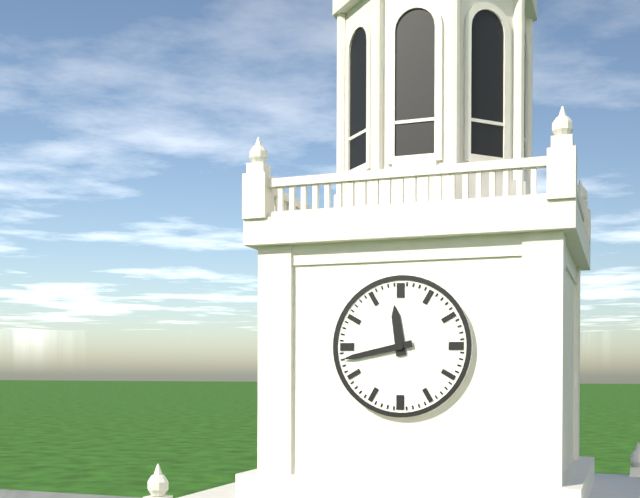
11h43
